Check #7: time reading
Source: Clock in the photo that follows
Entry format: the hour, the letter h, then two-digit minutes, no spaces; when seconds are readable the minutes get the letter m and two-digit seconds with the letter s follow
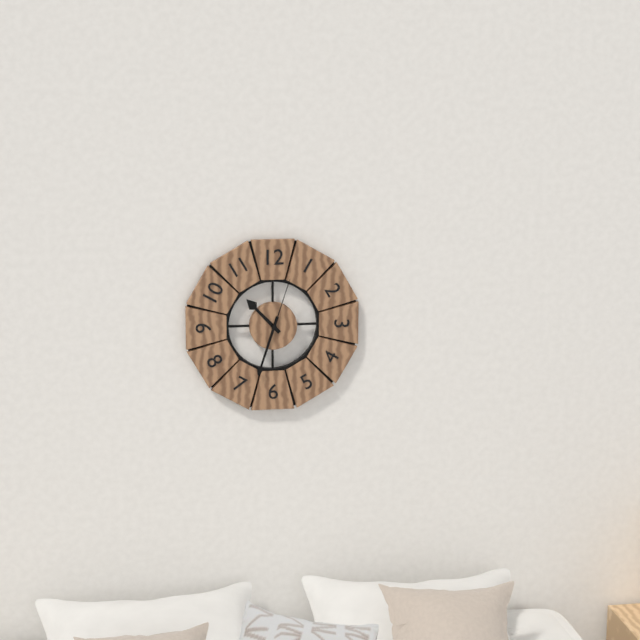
10h33m03s
